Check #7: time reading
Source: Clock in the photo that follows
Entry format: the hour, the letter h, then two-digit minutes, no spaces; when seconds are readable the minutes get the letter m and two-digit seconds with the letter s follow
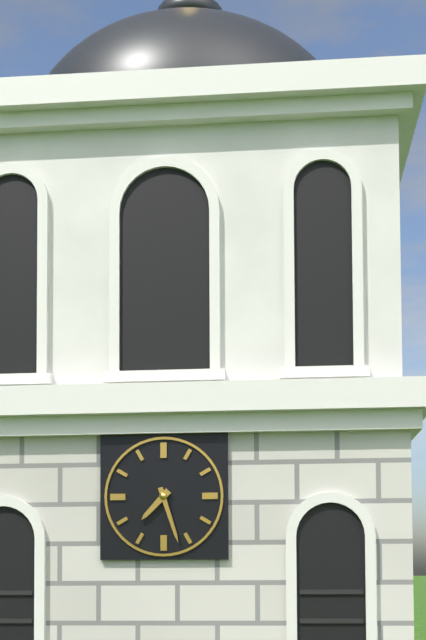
7h27
